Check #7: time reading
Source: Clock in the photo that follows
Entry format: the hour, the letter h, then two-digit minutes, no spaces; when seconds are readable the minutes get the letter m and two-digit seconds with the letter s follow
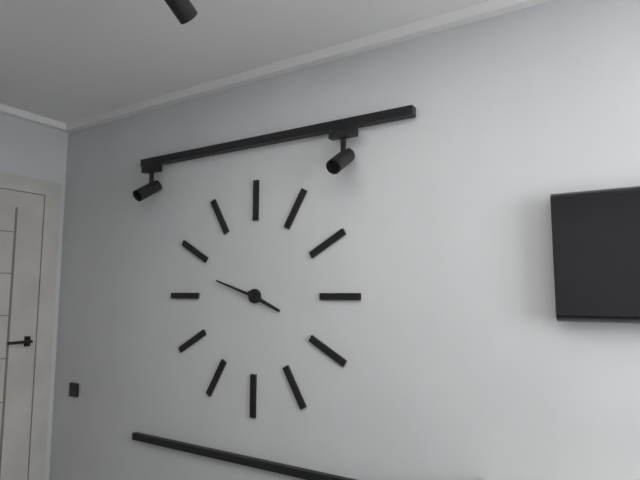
3h48
